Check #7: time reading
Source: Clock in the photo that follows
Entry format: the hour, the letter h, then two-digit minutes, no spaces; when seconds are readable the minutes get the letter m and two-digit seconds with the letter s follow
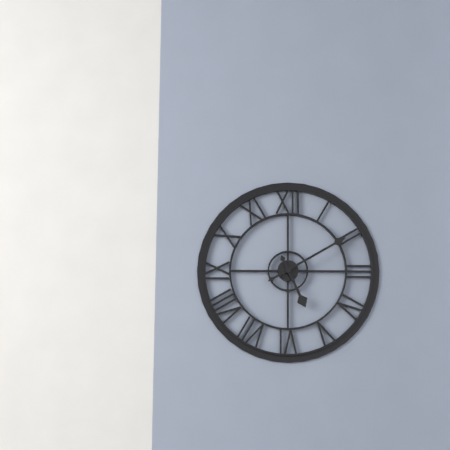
5h10
